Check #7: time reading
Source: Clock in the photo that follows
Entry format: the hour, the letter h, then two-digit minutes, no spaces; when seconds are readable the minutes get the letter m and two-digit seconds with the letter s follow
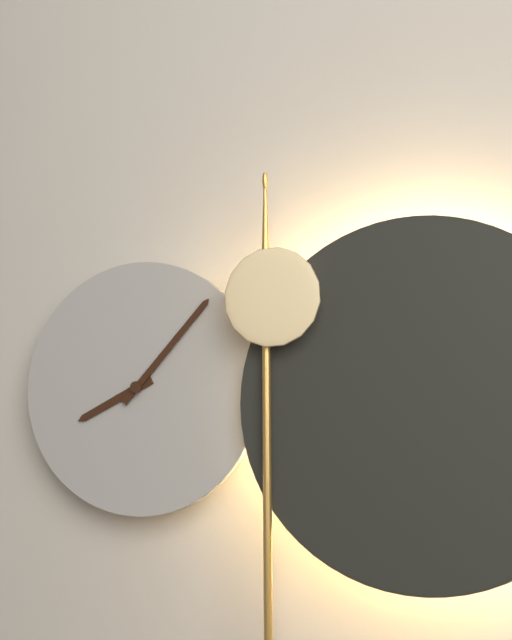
8h07
